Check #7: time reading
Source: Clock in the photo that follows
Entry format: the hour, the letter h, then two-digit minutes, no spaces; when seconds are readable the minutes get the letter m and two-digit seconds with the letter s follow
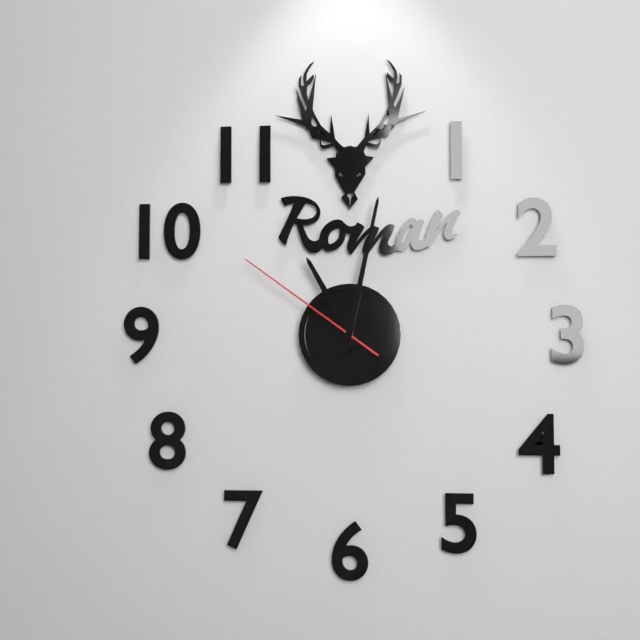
11h02m51s
